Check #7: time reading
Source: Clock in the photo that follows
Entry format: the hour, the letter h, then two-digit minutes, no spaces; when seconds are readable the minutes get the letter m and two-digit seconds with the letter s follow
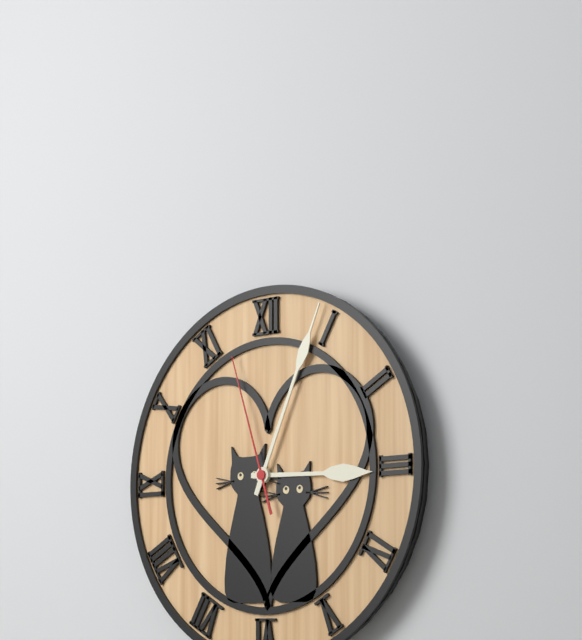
3h04m57s
